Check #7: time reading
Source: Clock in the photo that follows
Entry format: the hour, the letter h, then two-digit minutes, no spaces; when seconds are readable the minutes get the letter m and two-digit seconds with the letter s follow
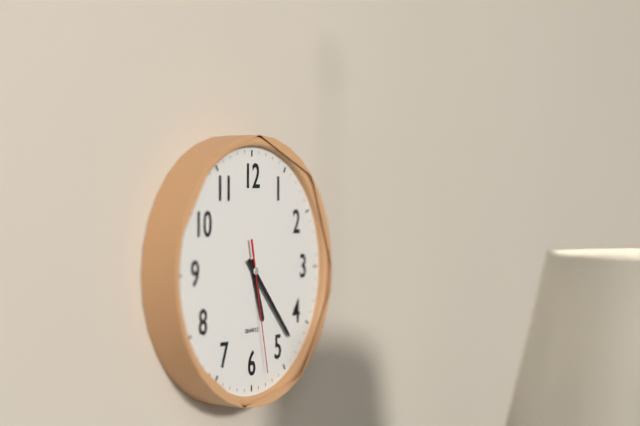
5h23m28s
